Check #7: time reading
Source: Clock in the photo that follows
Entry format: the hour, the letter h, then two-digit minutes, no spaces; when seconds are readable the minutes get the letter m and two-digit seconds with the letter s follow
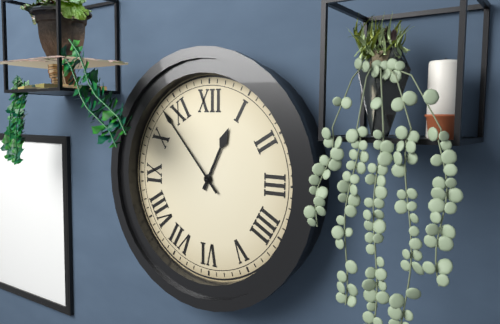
12h53
